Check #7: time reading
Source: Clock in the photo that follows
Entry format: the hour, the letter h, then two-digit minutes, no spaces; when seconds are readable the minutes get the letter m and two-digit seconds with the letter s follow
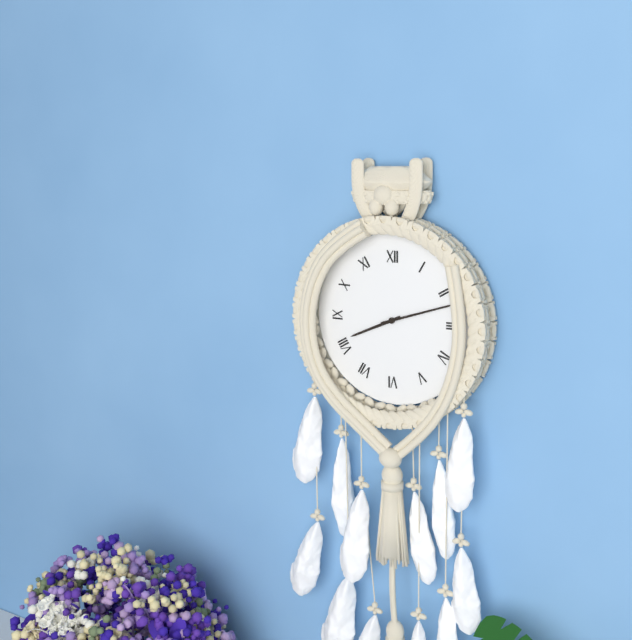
8h12
